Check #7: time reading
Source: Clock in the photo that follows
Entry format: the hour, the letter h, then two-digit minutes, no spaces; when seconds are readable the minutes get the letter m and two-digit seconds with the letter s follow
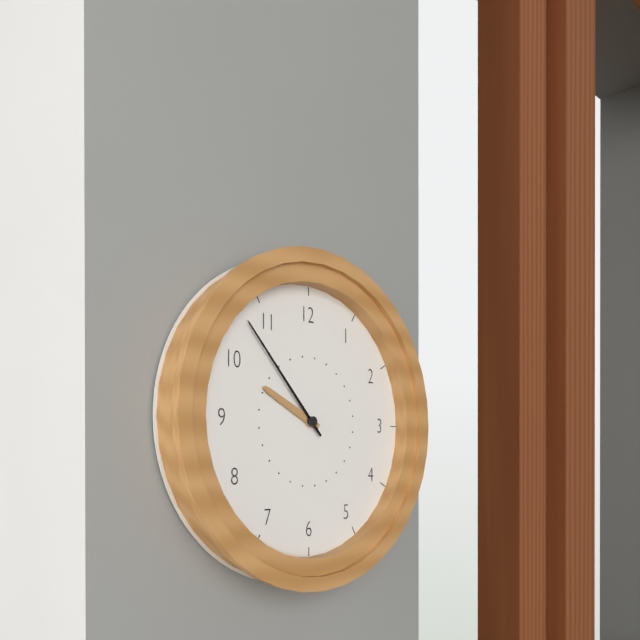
9h53
